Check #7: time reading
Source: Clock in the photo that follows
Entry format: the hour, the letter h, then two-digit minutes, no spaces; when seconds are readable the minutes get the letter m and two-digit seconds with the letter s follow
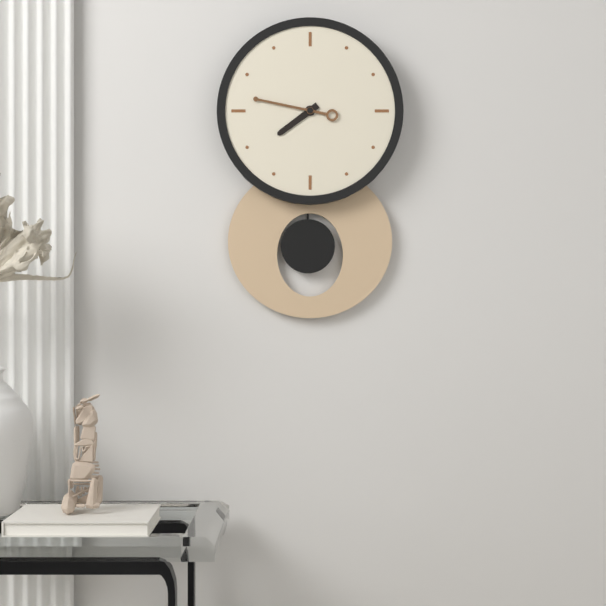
7h47
